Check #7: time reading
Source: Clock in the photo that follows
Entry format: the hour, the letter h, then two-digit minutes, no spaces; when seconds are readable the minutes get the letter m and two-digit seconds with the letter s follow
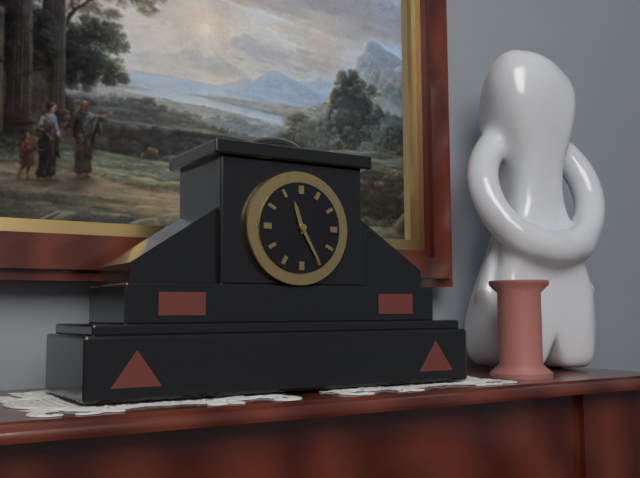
11h25
